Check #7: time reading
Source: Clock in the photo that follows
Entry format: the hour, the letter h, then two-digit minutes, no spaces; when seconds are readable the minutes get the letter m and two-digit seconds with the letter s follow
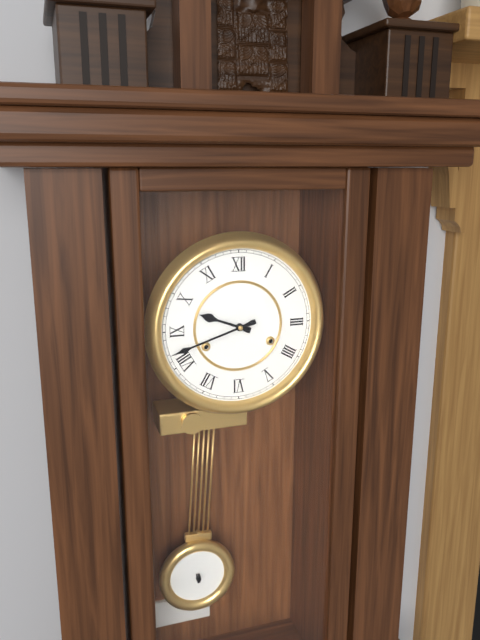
9h42
